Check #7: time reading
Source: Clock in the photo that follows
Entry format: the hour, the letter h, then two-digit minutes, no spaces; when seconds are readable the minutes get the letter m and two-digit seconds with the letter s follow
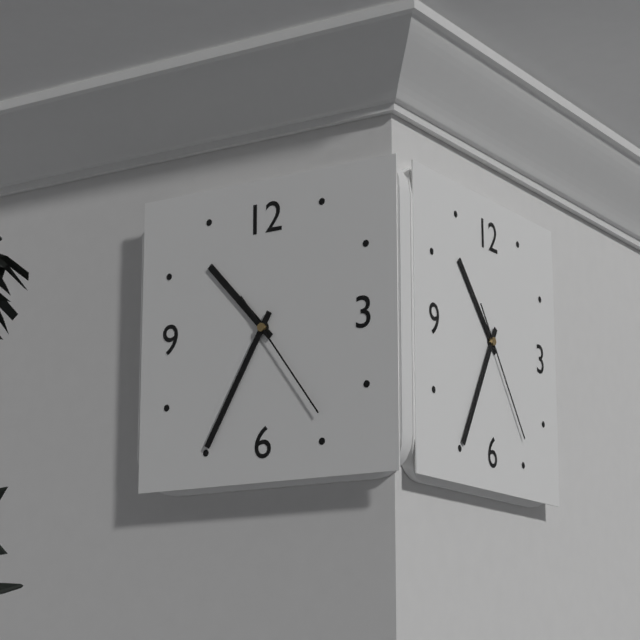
10h35m24s
